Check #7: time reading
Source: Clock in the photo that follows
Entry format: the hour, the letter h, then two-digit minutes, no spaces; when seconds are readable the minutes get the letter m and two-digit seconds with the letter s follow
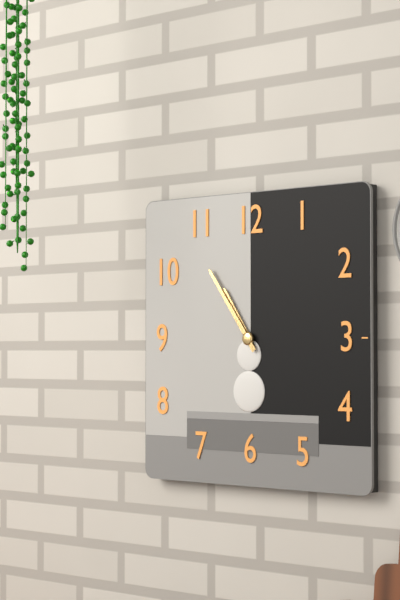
10h54
